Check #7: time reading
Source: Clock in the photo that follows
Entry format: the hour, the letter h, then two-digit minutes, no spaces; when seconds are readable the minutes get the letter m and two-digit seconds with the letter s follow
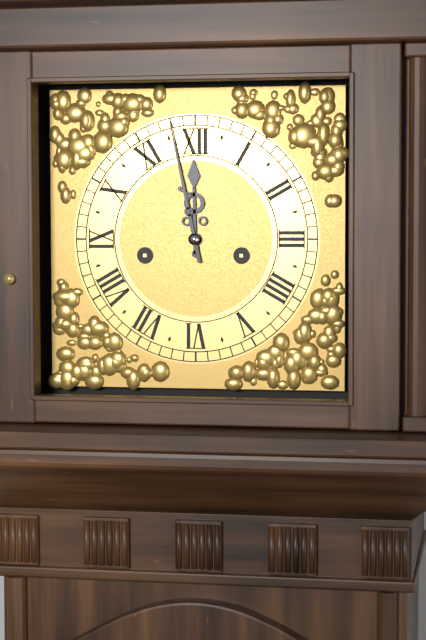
11h58
